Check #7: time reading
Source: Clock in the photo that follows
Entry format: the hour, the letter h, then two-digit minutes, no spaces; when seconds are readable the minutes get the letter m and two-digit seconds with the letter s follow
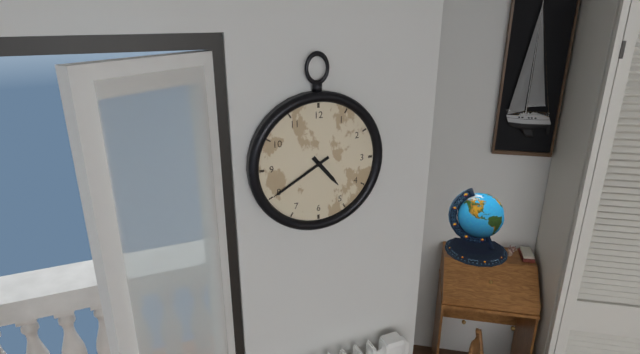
4h40
